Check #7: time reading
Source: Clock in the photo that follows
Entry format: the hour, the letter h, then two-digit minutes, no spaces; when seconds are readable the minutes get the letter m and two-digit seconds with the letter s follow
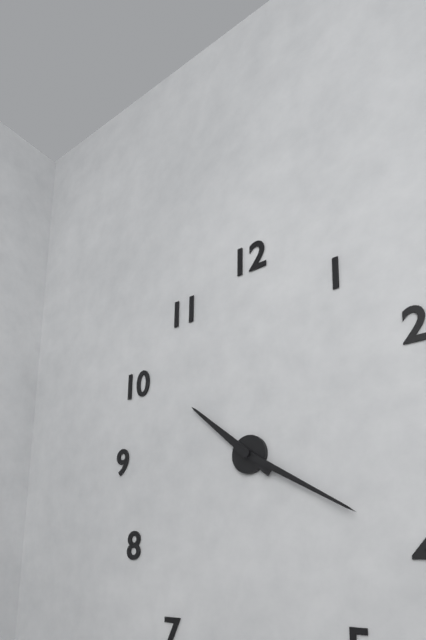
10h20
